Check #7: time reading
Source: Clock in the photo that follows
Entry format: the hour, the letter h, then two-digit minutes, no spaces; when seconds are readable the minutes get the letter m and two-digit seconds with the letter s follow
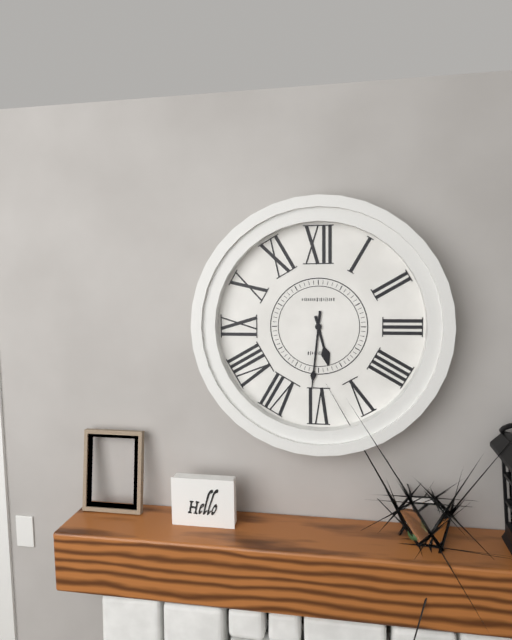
5h31
